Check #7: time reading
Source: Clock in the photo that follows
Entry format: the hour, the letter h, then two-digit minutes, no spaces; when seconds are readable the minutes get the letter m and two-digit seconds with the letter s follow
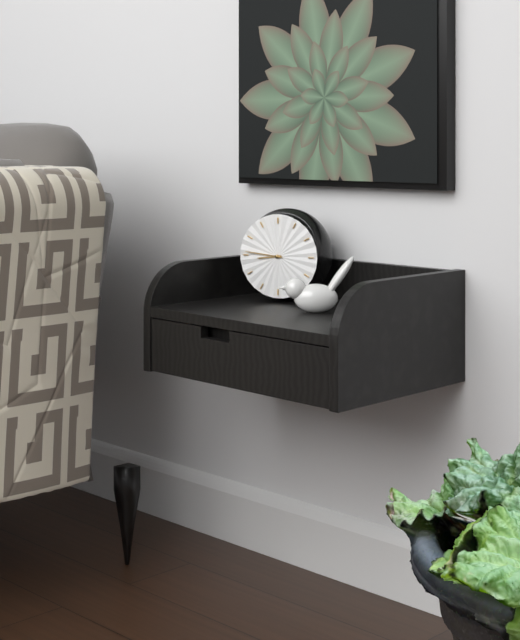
8h46
